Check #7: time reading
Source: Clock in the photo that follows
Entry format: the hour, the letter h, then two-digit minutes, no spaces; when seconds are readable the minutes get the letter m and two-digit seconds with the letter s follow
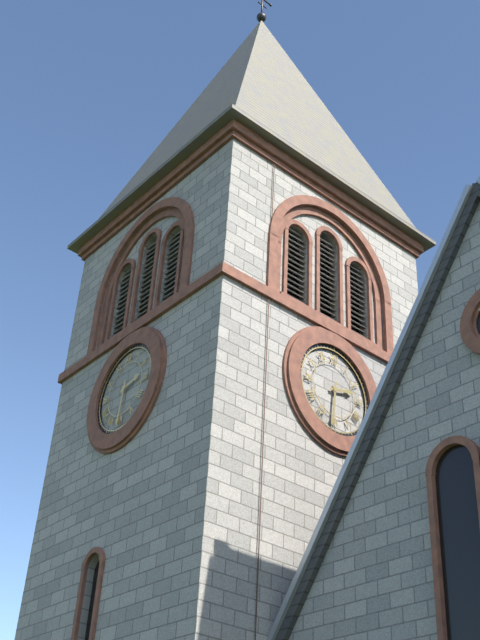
2h31
